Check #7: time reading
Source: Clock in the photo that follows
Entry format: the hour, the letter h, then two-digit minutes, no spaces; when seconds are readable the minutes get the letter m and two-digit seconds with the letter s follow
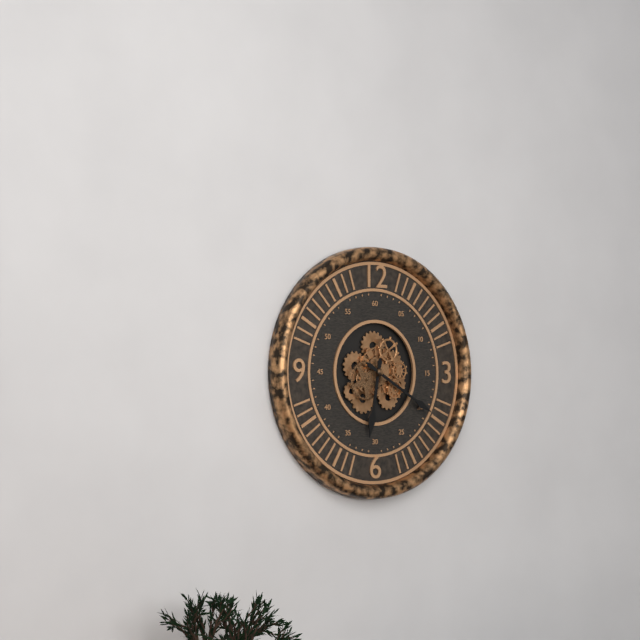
6h20
